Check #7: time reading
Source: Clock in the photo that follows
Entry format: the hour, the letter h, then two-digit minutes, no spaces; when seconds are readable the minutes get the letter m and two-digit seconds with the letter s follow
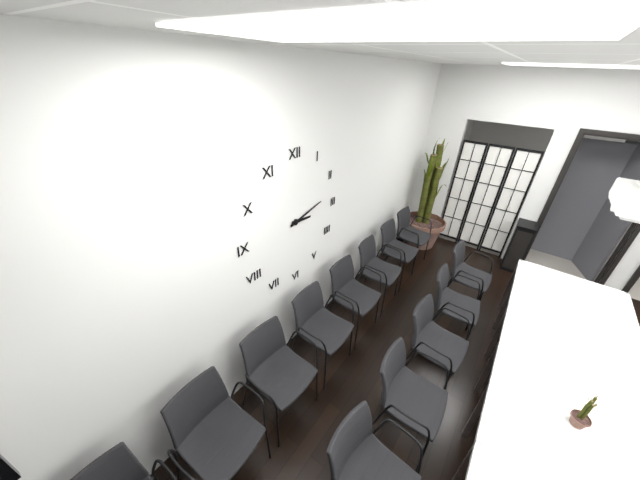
3h13
